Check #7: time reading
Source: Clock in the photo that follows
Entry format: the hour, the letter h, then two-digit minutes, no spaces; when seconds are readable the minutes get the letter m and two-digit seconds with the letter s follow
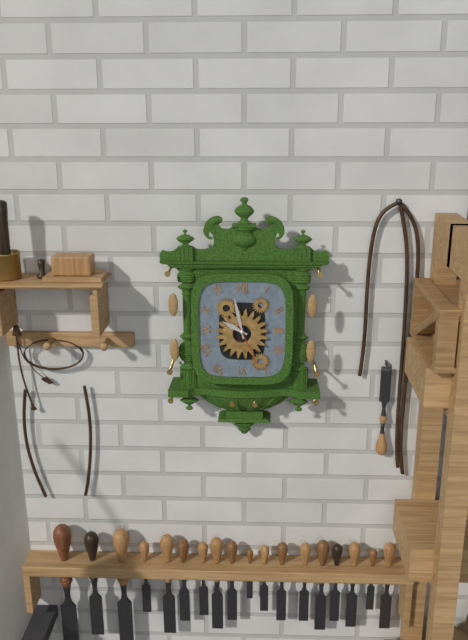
9h58
